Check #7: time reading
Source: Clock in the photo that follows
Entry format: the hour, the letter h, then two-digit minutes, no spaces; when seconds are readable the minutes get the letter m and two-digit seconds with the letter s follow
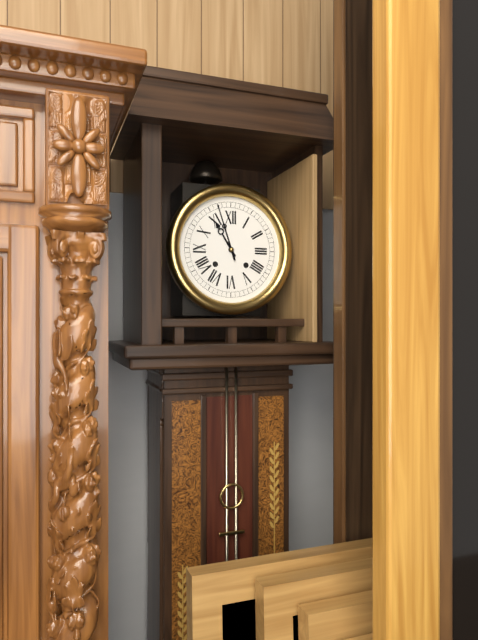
10h57
